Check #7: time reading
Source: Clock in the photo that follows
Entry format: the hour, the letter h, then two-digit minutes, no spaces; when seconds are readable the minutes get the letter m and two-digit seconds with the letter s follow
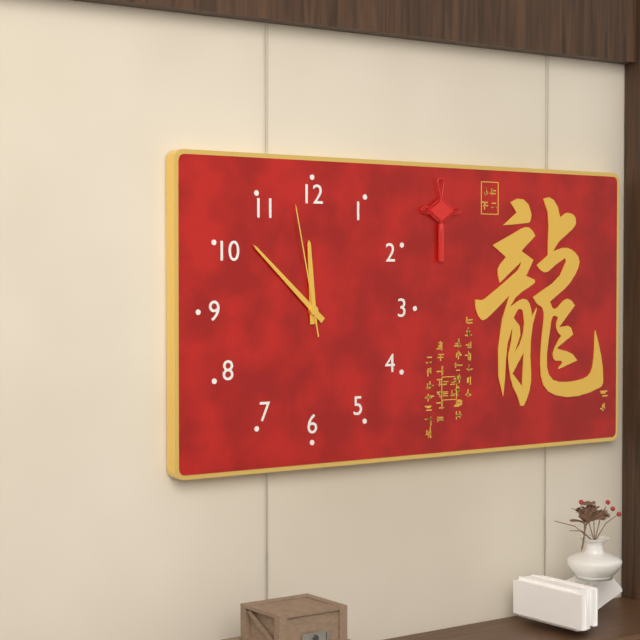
11h52m58s
